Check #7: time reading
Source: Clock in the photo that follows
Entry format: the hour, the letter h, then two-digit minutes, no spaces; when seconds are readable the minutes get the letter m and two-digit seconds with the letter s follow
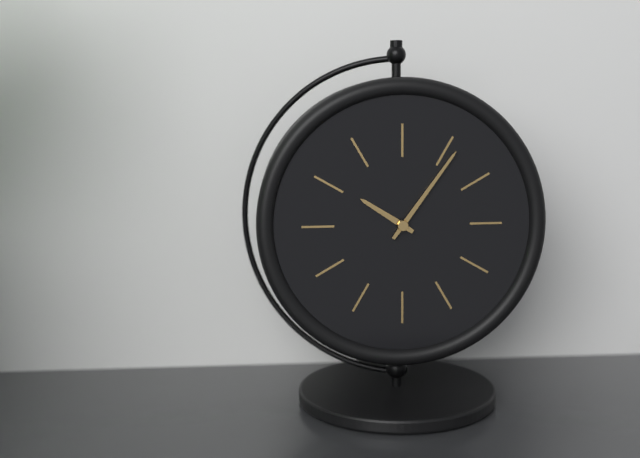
10h06
